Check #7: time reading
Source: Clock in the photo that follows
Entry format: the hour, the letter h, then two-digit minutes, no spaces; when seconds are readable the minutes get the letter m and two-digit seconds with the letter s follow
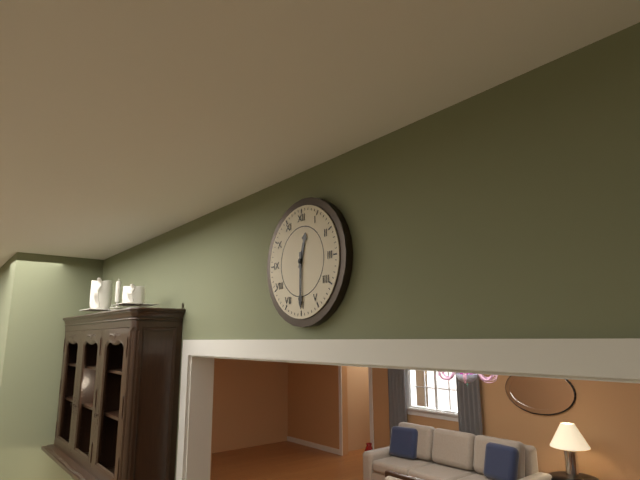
12h30
